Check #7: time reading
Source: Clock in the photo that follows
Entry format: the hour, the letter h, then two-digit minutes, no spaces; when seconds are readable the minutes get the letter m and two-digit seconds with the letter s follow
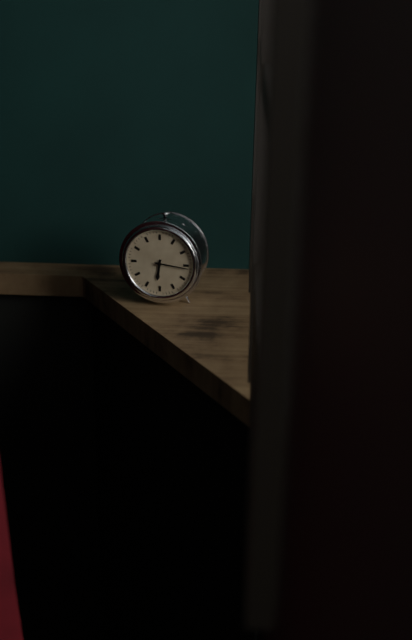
6h16
